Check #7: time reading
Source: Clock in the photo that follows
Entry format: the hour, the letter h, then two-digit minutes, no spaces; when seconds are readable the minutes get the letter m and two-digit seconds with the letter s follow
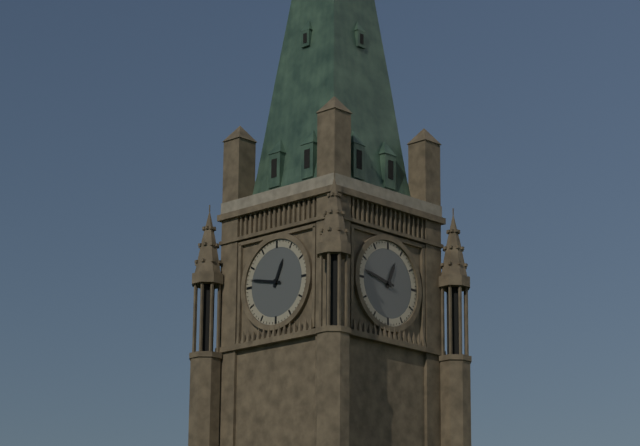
12h47
